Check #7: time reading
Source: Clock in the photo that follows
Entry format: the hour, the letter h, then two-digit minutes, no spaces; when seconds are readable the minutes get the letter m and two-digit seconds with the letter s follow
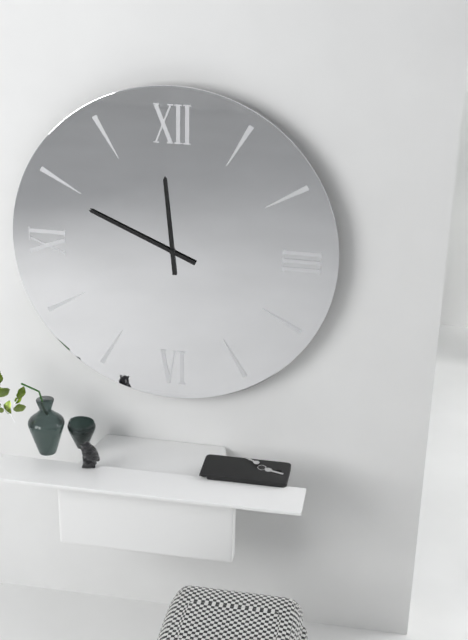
11h49
